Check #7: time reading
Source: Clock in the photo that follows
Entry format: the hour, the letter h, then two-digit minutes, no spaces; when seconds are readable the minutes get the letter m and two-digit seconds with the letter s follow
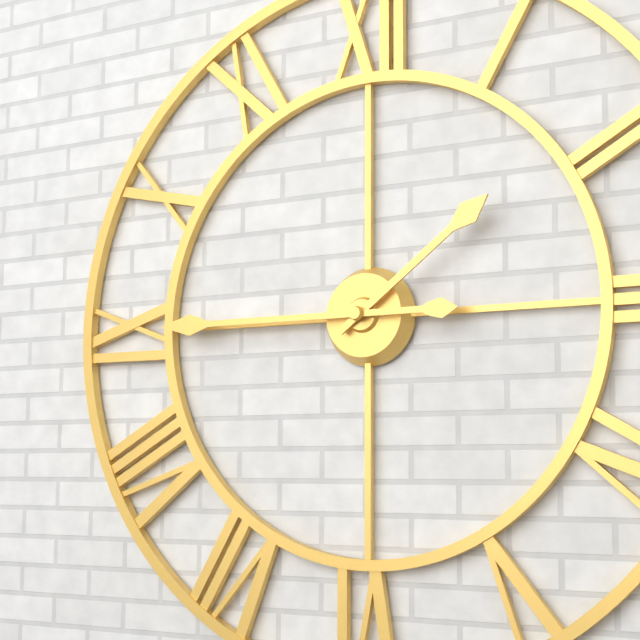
1h45
